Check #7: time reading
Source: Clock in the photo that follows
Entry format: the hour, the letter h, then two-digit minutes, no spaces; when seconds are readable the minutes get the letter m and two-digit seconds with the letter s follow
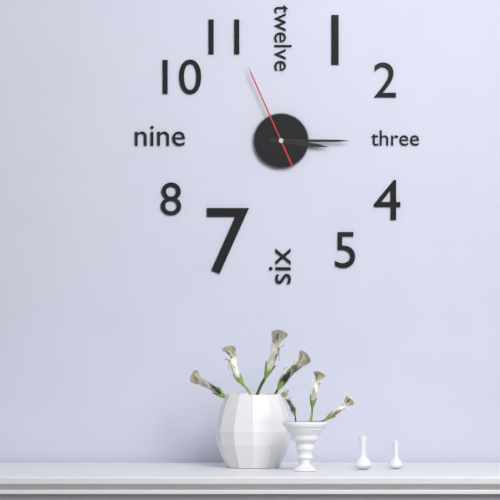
3h15m56s
